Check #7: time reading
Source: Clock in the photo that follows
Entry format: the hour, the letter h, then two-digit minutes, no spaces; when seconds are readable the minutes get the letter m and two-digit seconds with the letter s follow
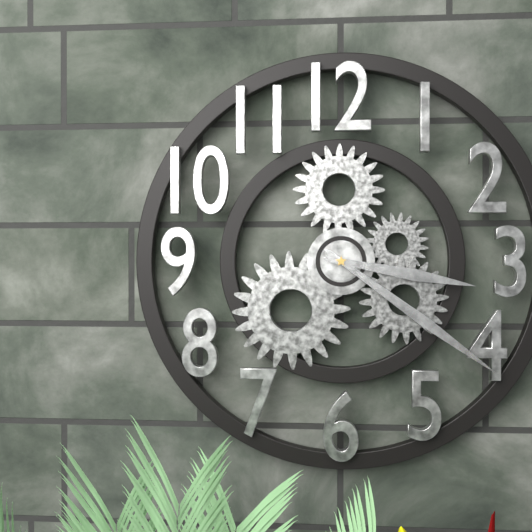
3h21
